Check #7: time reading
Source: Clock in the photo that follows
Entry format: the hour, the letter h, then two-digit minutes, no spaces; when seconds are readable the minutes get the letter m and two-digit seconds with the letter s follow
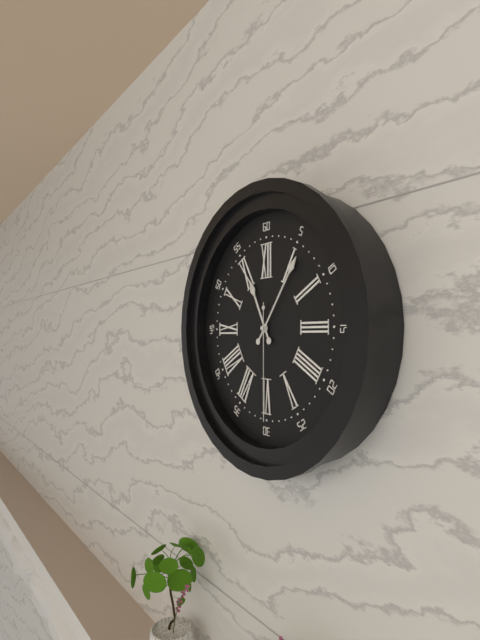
11h06m30s
